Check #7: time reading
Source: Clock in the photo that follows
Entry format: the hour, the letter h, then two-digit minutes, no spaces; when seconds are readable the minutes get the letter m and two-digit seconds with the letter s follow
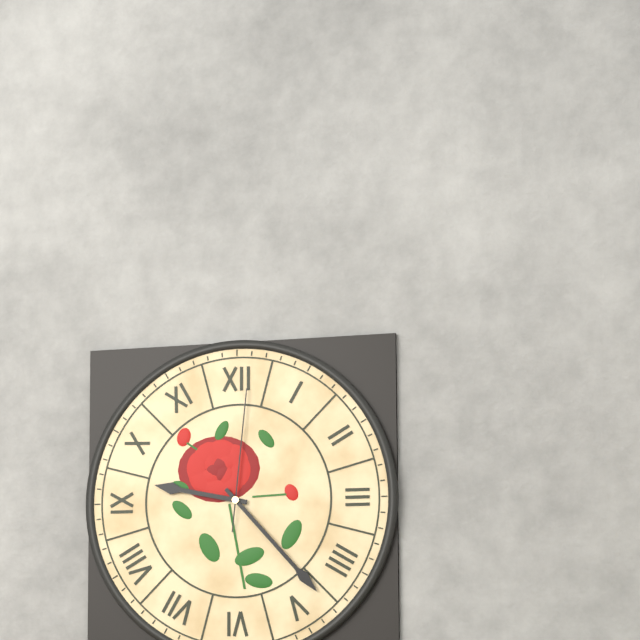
9h23m01s
